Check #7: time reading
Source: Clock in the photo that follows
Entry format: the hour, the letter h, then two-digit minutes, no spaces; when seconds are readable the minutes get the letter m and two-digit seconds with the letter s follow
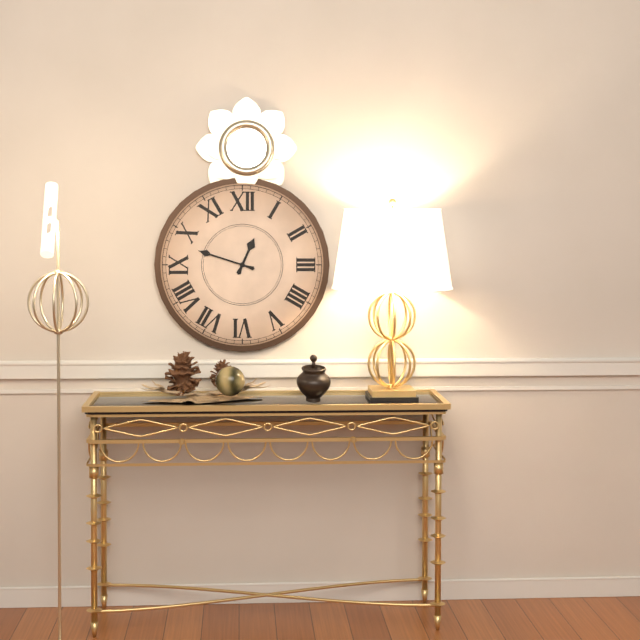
12h48
